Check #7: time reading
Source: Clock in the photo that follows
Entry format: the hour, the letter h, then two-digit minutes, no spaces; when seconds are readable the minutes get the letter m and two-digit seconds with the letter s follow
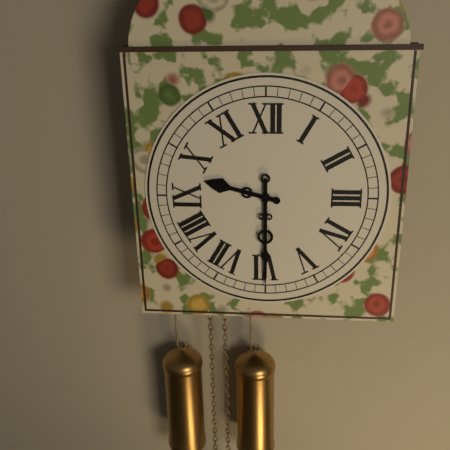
9h30
